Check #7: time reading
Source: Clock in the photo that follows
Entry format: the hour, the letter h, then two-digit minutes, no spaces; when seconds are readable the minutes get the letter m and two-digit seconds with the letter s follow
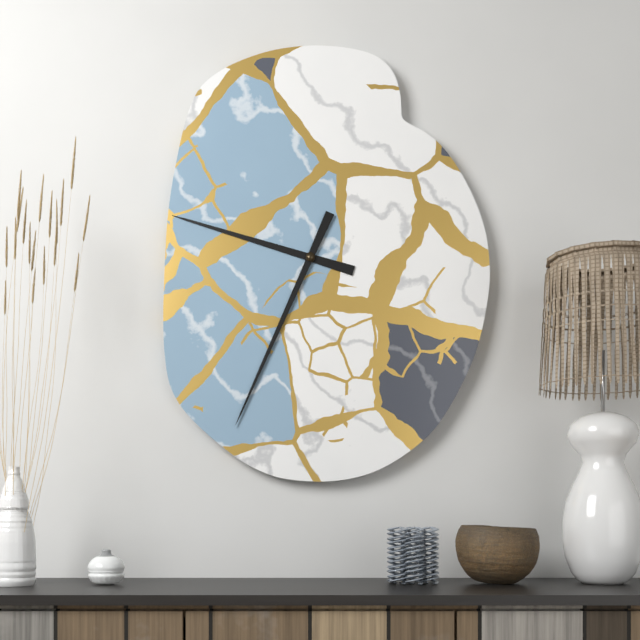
9h34
